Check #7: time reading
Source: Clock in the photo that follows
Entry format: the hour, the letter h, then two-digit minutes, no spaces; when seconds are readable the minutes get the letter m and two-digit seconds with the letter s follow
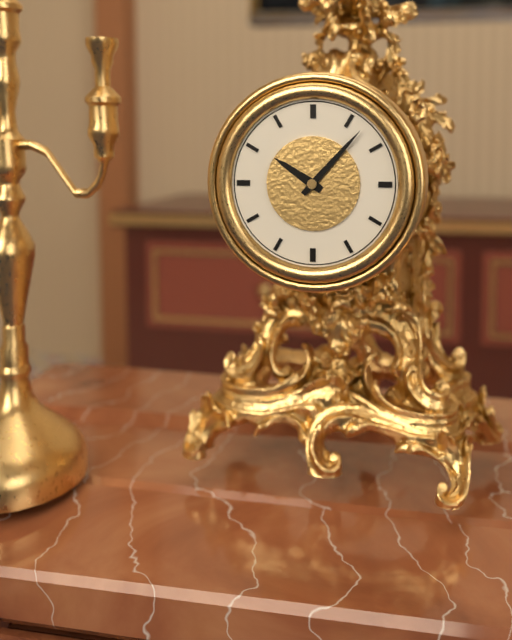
10h07
